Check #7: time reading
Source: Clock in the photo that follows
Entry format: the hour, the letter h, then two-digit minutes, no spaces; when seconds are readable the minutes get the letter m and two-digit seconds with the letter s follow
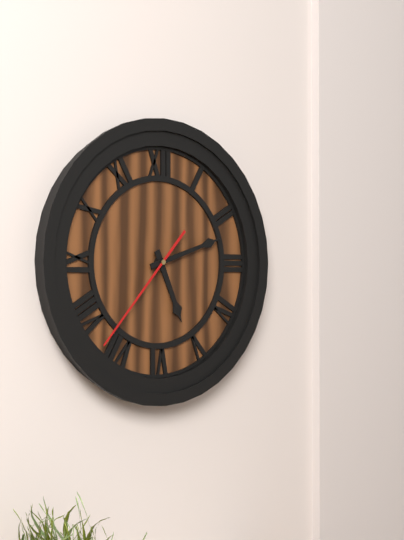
5h12m37s
